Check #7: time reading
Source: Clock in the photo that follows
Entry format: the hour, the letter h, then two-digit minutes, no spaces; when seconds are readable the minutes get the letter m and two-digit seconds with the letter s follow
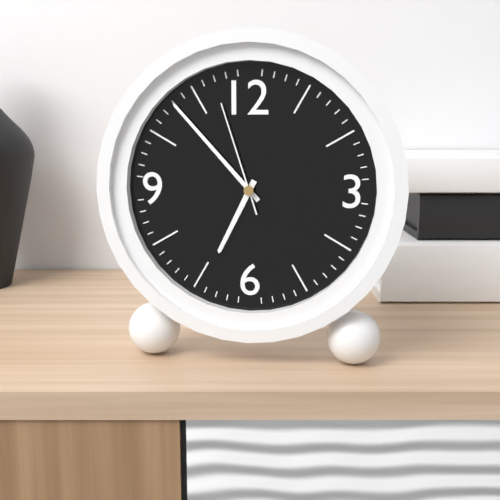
6h53m57s
